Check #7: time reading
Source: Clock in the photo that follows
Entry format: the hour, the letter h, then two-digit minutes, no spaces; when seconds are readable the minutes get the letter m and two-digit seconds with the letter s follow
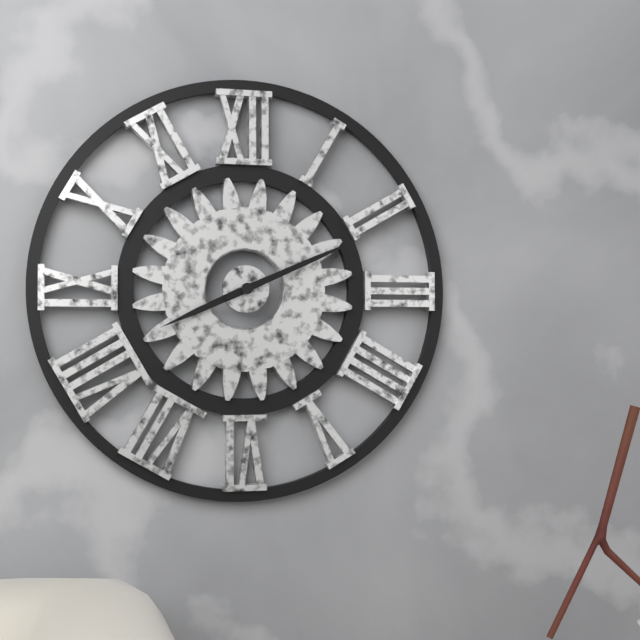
8h11
